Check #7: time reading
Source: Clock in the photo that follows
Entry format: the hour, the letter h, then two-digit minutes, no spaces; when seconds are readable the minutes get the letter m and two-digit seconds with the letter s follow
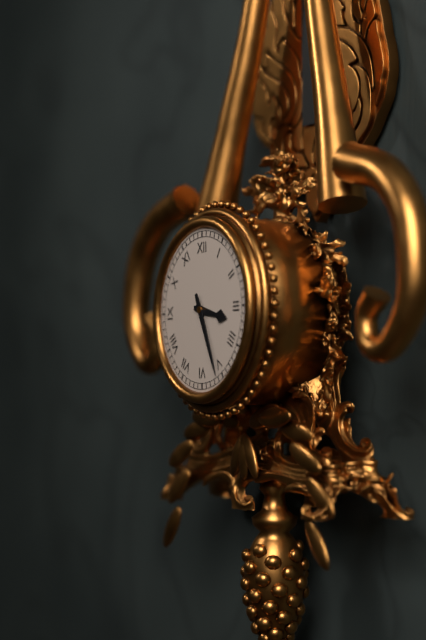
3h26
